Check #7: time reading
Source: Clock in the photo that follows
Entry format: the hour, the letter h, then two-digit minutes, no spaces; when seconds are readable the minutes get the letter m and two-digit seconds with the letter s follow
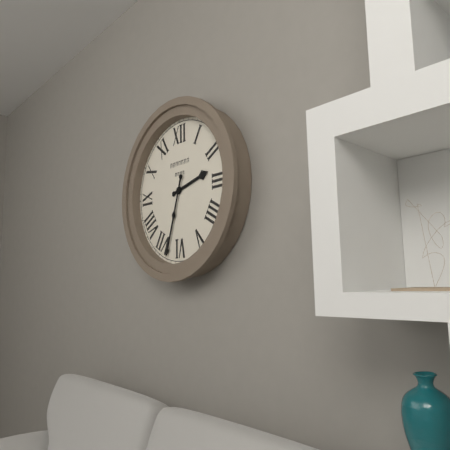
2h33
